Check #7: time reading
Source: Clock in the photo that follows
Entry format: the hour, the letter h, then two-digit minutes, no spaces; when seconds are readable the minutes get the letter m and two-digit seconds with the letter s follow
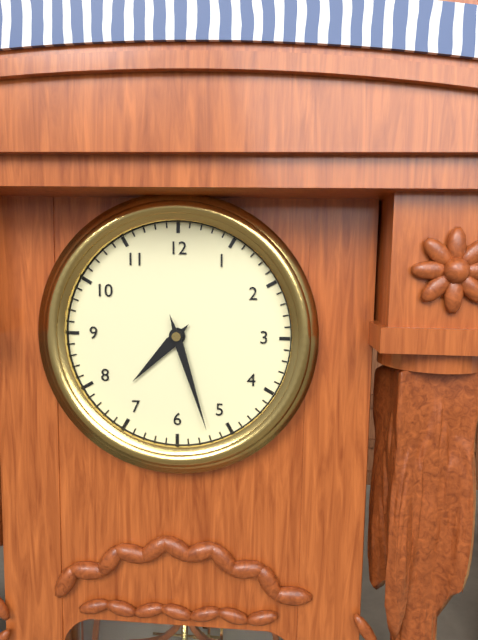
7h27
